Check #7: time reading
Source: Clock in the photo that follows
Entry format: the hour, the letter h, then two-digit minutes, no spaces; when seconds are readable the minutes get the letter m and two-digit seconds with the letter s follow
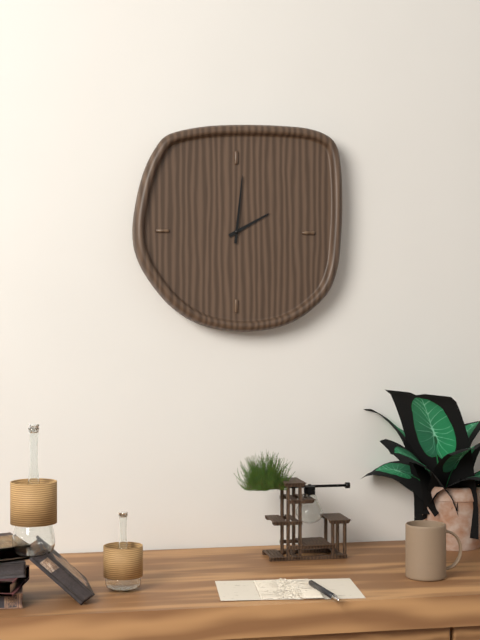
2h01
